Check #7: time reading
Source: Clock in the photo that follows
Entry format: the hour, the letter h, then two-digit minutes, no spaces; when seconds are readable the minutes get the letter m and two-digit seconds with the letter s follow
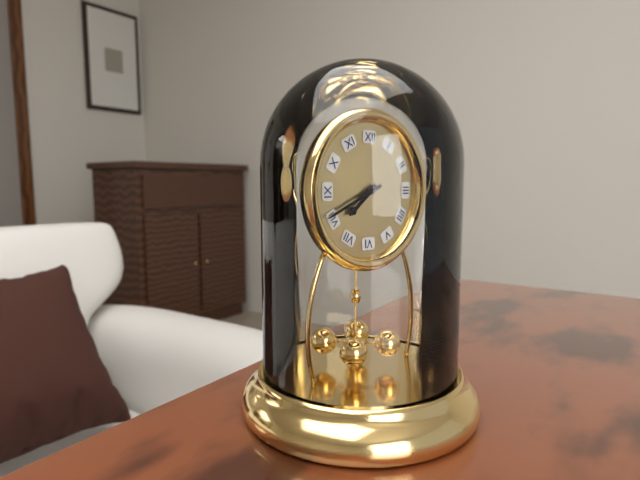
7h41
